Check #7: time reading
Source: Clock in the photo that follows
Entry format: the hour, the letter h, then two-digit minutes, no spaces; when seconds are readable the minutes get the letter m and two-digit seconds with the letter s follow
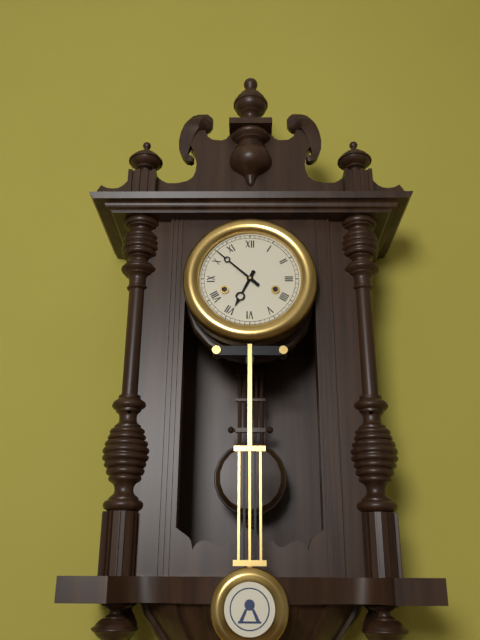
6h52
